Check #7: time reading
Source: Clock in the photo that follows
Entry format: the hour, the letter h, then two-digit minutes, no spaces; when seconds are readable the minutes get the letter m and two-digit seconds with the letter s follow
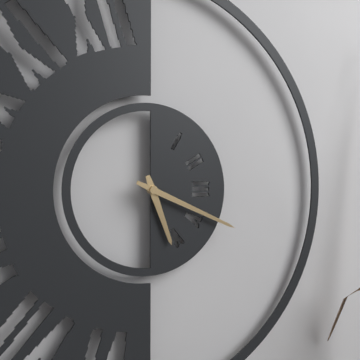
5h19
